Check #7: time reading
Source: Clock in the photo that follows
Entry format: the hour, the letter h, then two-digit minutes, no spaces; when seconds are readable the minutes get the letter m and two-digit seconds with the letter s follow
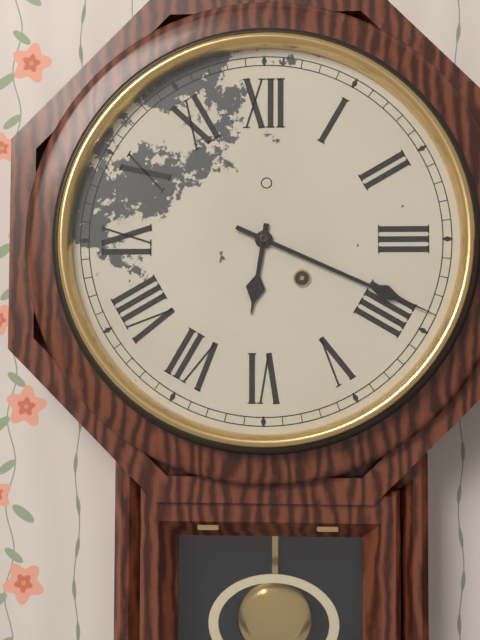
6h19
